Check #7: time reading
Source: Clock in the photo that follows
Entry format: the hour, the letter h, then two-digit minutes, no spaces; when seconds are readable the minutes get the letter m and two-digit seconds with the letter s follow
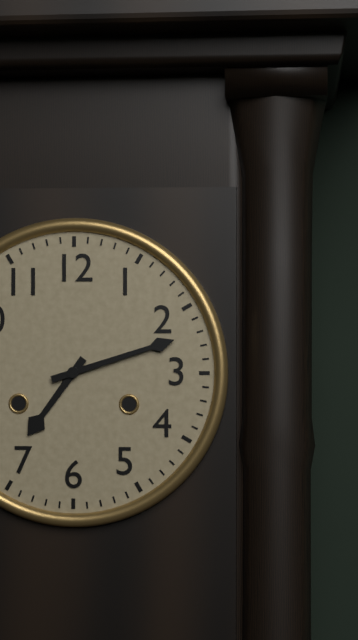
7h12
